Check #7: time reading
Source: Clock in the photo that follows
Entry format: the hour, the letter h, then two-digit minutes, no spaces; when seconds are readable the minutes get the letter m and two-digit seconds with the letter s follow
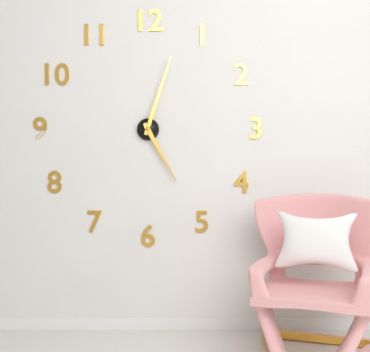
5h03
